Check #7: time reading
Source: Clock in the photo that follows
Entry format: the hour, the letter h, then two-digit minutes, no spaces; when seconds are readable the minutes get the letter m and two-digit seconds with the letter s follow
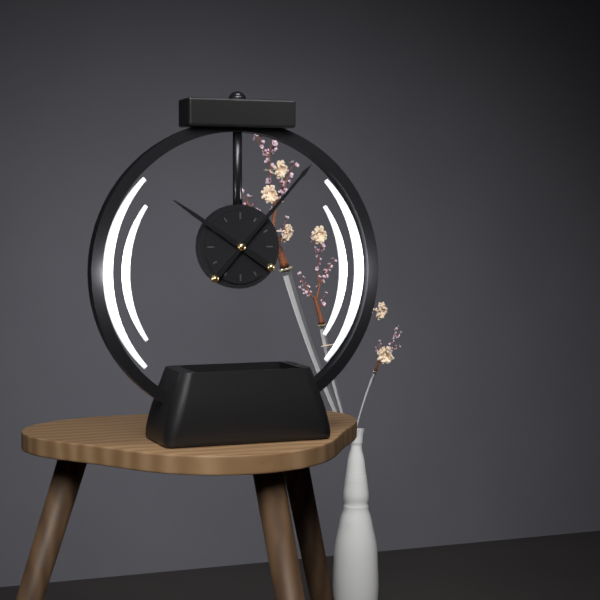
10h07
